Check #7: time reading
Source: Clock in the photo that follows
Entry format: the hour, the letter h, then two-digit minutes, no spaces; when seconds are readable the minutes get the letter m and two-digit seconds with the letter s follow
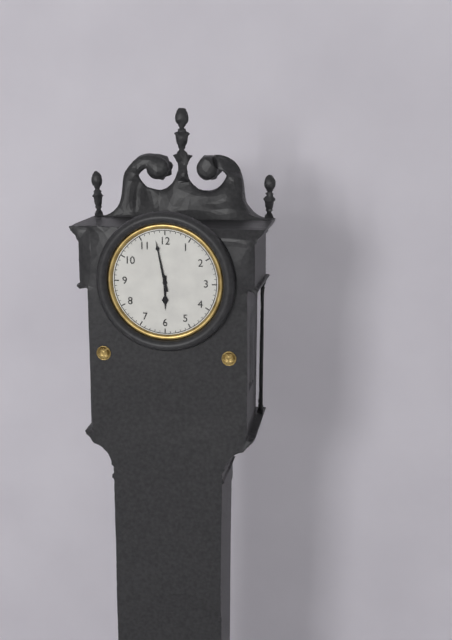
5h58
